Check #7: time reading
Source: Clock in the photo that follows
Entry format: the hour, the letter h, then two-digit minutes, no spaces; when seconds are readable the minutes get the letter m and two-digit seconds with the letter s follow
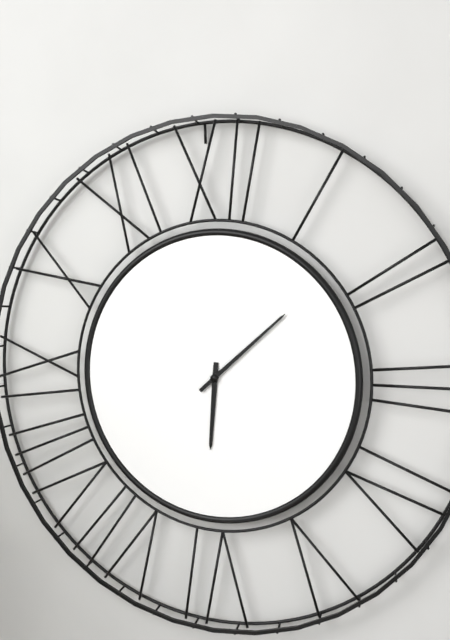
6h08
